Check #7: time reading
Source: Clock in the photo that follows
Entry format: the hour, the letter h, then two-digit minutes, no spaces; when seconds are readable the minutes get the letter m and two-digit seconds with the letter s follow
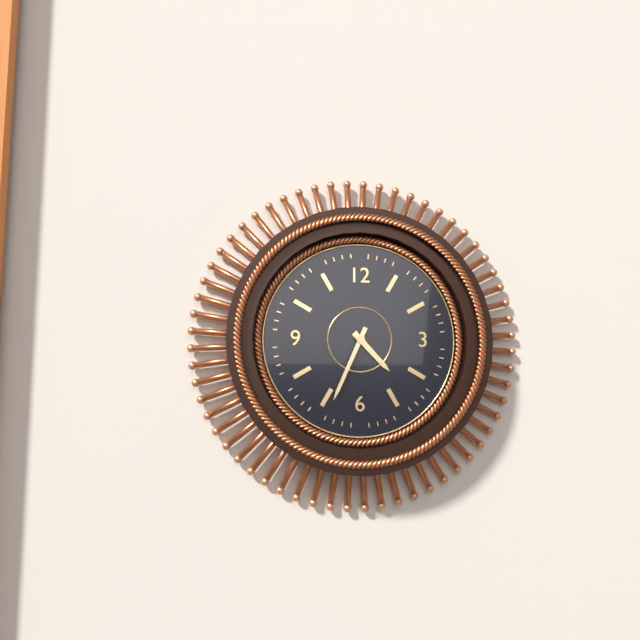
4h34
